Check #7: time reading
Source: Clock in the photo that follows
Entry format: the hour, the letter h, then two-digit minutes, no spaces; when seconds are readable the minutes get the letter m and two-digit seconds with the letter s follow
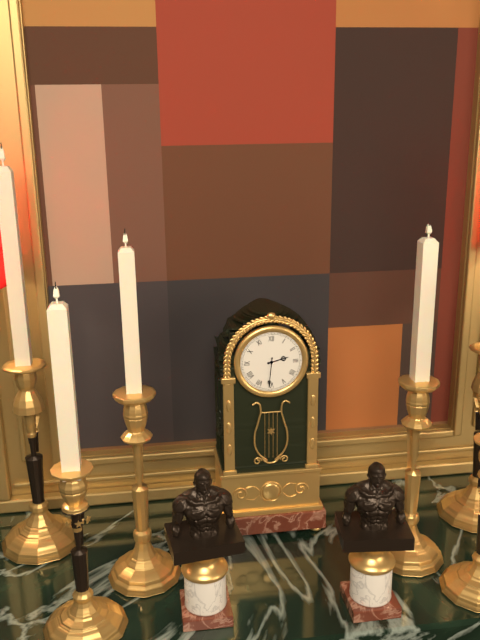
2h31
